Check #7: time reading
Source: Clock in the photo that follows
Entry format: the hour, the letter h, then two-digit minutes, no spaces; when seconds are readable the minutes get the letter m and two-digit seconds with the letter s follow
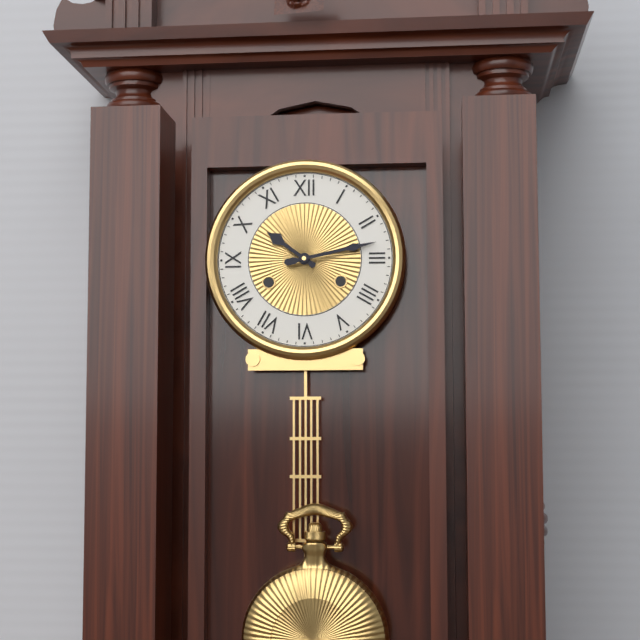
10h13
